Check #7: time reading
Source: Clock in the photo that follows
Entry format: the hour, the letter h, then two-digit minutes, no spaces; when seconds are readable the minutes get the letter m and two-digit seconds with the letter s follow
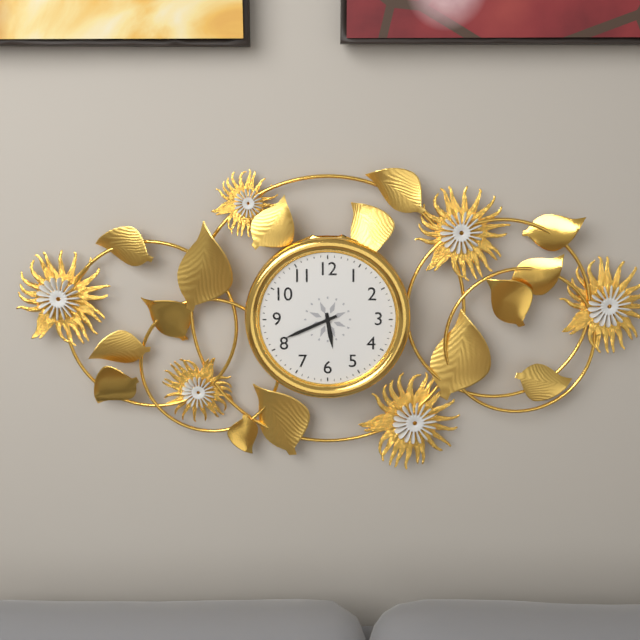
5h41
